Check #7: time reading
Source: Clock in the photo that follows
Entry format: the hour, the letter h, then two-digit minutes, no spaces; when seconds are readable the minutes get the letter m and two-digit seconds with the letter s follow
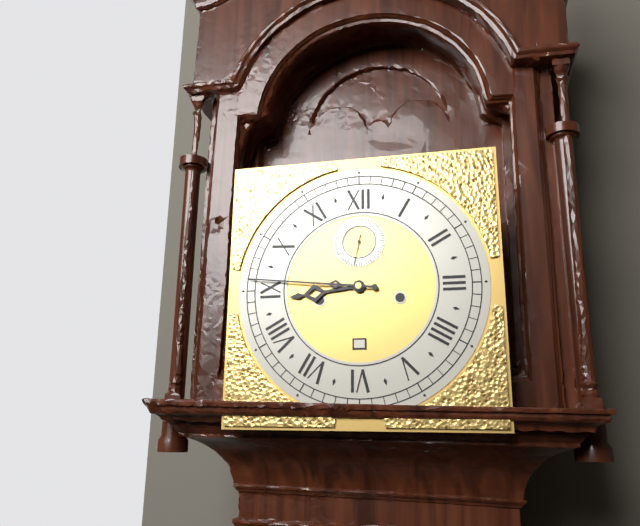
8h46
